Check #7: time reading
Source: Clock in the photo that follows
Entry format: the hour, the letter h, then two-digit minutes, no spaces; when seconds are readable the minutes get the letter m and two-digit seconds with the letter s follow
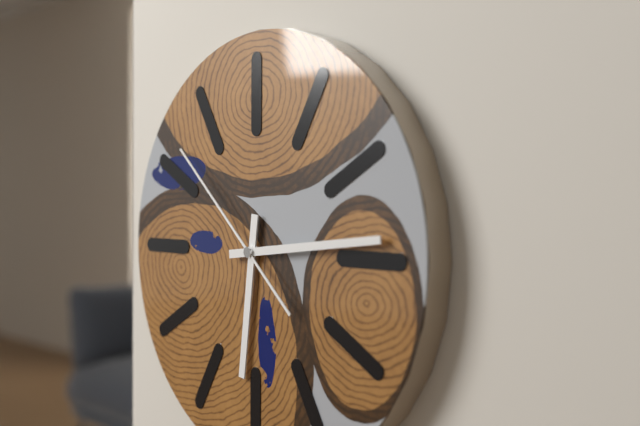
6h14m52s
